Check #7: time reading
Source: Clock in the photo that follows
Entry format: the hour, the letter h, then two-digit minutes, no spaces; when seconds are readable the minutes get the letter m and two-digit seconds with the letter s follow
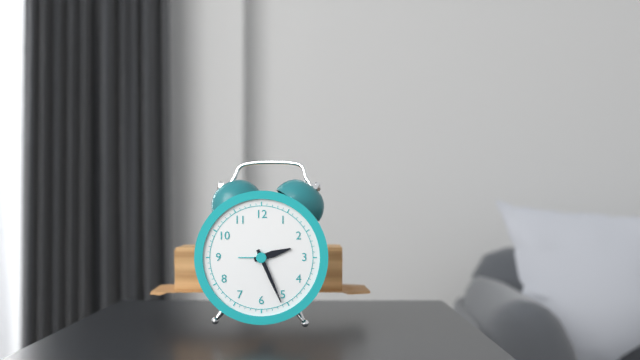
2h26
